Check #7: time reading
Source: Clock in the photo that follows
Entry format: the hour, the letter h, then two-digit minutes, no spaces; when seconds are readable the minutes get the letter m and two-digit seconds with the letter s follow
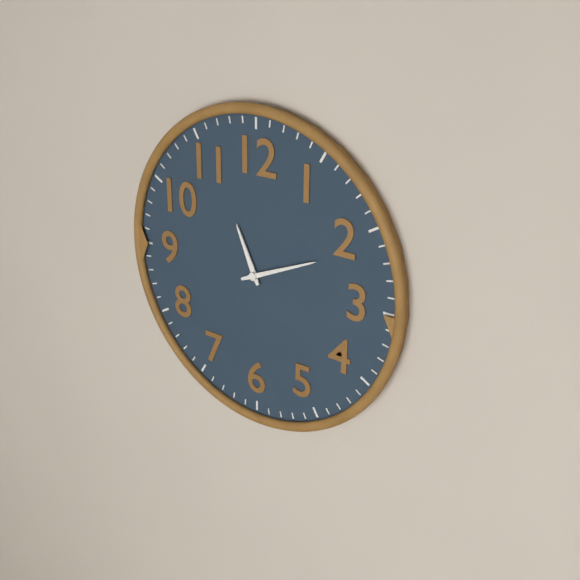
11h11
